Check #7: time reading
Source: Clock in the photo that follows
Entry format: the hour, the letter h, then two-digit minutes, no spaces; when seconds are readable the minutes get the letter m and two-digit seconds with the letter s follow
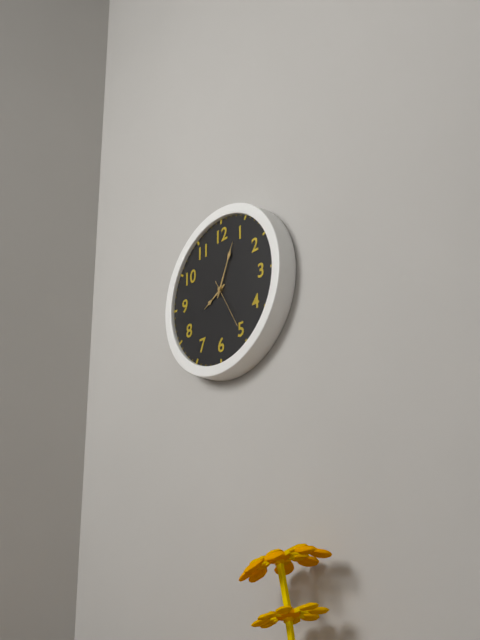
8h04
